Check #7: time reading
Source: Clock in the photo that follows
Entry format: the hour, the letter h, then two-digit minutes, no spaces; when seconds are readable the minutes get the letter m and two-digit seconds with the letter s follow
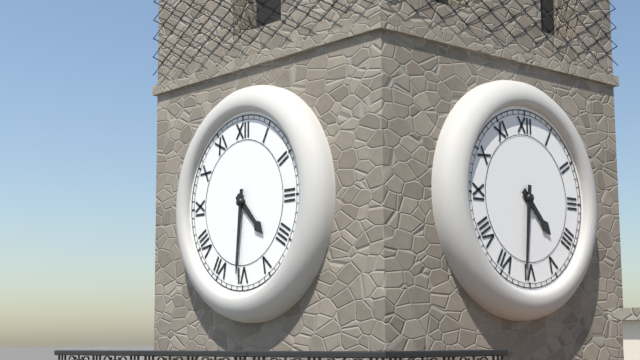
4h31
